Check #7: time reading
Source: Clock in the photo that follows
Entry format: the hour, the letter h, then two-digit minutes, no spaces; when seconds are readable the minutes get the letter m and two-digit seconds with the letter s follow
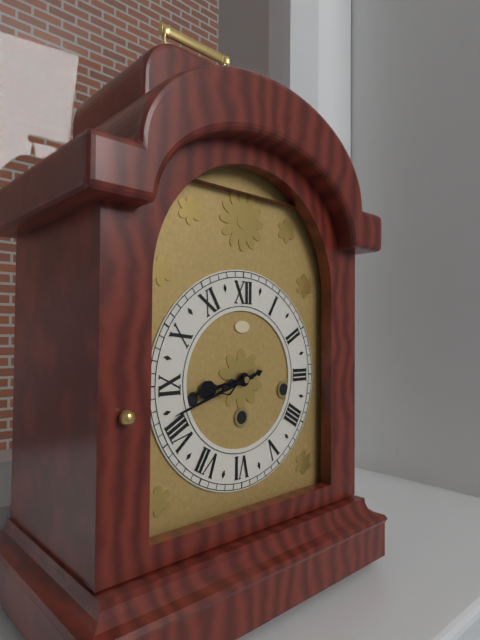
8h42
